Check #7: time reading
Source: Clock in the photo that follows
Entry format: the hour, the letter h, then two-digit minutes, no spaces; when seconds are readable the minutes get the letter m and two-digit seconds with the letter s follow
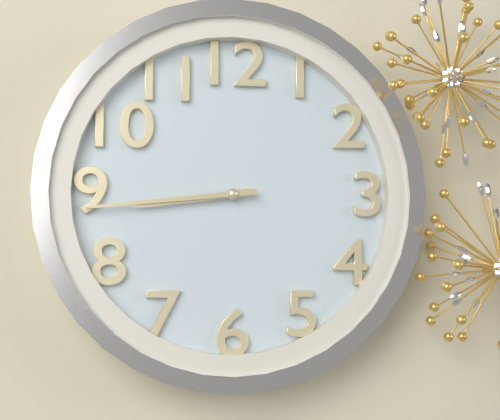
8h44
